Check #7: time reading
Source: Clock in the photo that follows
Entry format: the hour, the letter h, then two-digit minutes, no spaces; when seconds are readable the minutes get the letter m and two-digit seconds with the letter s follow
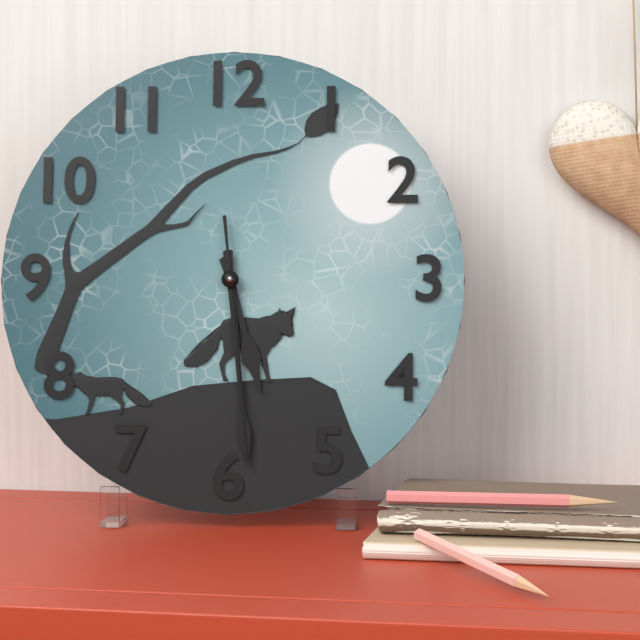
5h29m29s
